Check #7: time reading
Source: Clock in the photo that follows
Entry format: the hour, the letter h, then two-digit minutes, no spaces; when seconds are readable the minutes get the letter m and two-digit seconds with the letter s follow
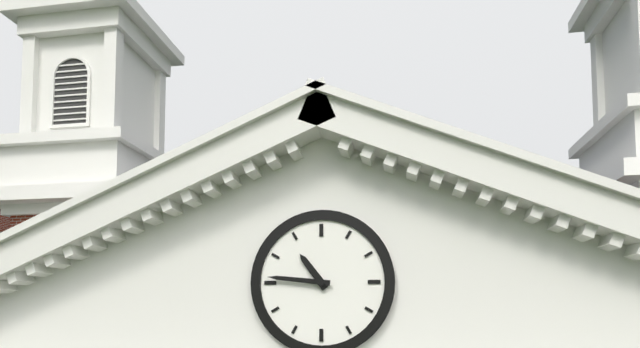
10h46
